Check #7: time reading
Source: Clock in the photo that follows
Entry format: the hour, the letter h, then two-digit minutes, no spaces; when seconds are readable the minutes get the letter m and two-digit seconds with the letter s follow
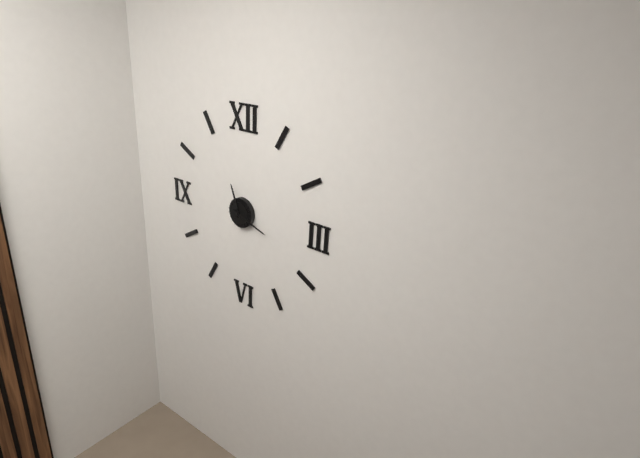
11h18
